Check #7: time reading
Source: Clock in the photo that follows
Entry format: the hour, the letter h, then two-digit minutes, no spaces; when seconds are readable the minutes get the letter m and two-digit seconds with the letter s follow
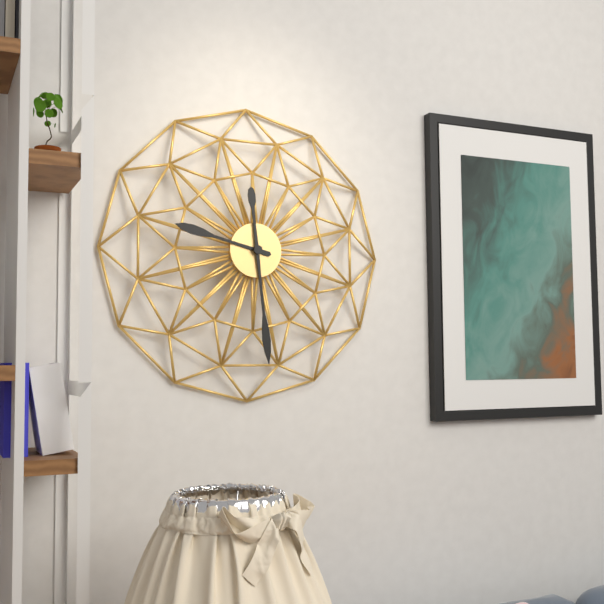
9h29
